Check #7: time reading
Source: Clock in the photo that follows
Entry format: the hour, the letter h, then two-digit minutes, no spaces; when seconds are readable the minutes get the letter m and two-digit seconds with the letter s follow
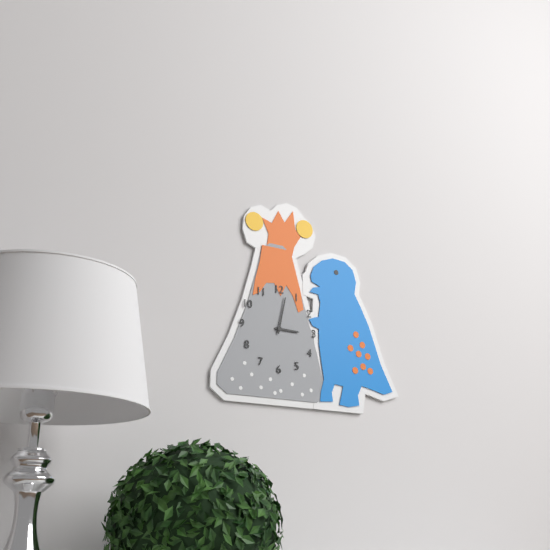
3h02
